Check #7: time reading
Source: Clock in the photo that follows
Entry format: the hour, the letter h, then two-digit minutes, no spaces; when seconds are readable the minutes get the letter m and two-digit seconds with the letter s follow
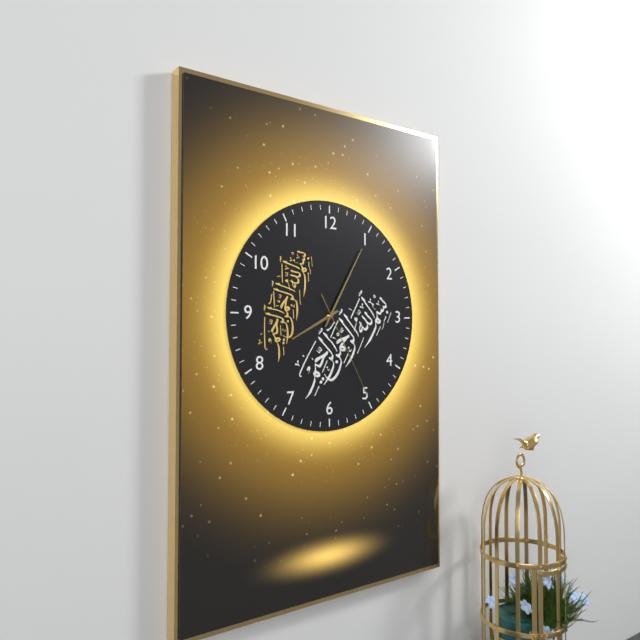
8h05m25s
